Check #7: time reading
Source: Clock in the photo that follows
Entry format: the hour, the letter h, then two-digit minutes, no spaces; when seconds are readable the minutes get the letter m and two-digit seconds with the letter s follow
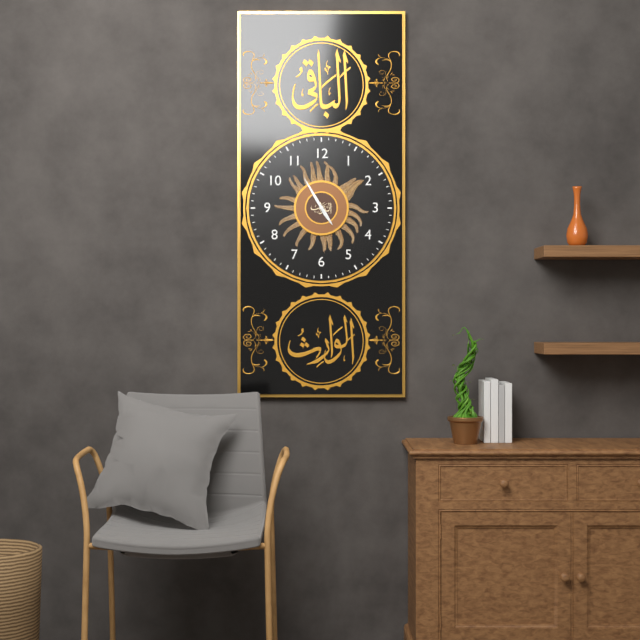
4h55
